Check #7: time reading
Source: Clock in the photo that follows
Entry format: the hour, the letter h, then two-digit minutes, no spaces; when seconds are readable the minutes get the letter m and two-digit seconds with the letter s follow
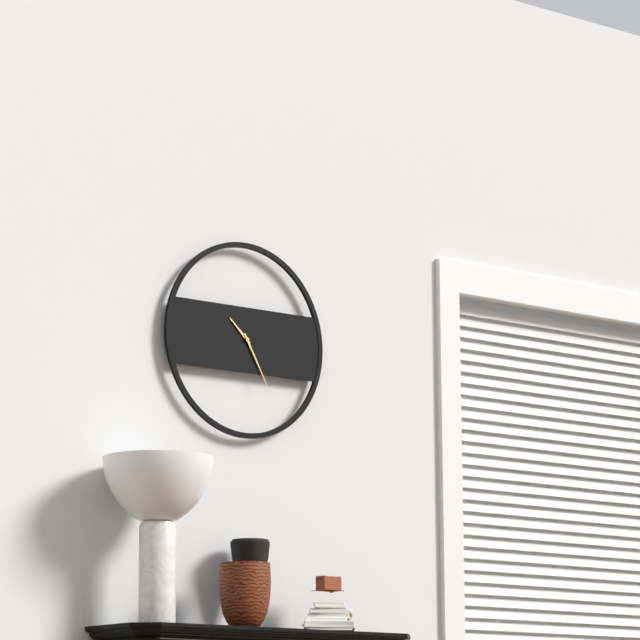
10h25
